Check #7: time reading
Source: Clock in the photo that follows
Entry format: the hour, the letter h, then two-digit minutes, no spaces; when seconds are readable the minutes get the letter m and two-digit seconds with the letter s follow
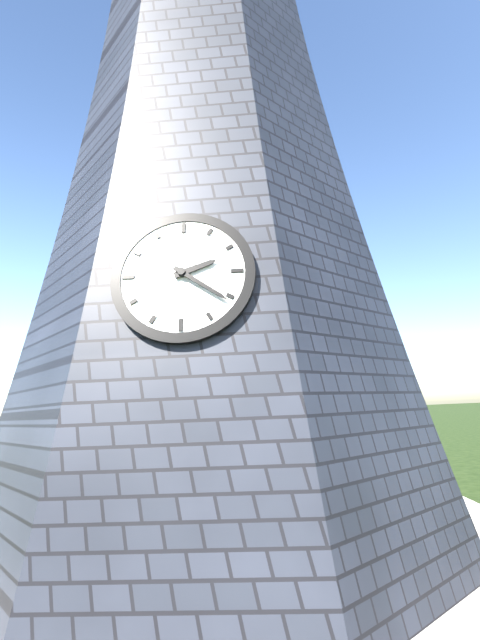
2h21
